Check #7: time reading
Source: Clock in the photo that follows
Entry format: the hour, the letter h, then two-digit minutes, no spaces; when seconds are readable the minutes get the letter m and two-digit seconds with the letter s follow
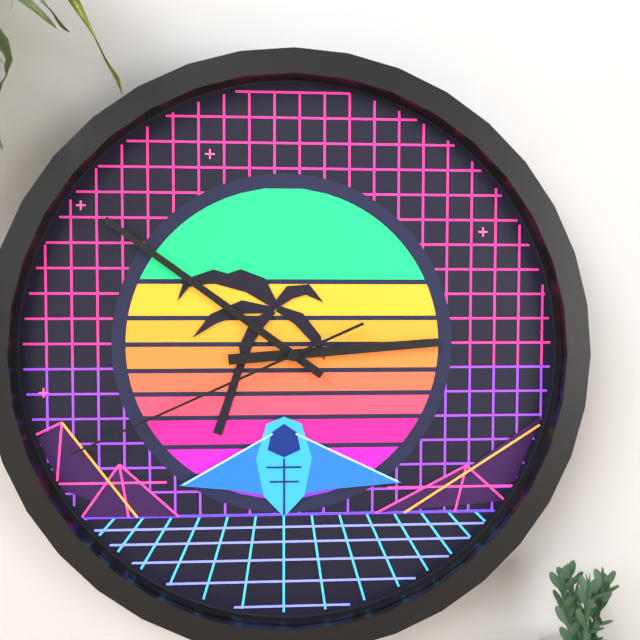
2h51m41s
